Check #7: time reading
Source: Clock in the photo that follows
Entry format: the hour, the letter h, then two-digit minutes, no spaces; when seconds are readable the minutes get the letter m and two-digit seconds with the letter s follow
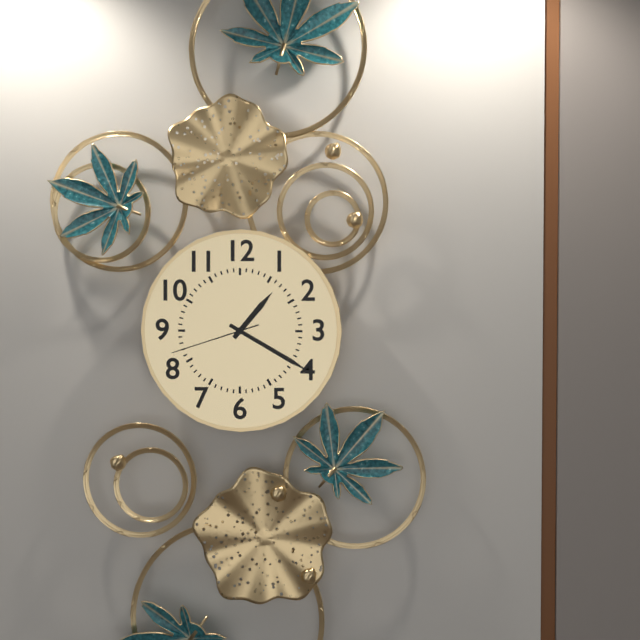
1h20m42s
